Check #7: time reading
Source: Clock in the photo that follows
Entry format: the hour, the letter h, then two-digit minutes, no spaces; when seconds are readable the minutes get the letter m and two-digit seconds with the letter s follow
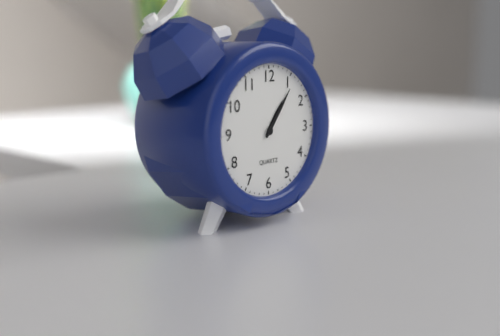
1h06
